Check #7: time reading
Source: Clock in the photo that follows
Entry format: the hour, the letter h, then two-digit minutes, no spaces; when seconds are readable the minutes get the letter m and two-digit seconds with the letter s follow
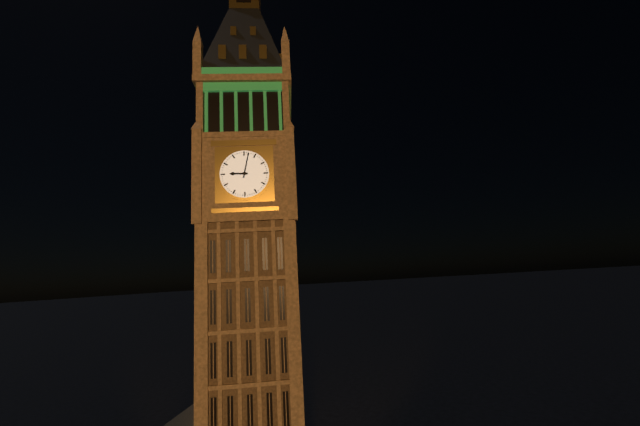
9h02
